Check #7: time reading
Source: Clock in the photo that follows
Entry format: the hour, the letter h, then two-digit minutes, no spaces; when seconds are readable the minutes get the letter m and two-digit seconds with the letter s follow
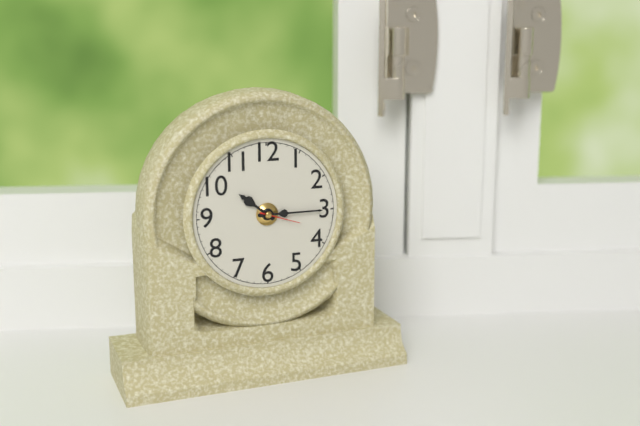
10h15
